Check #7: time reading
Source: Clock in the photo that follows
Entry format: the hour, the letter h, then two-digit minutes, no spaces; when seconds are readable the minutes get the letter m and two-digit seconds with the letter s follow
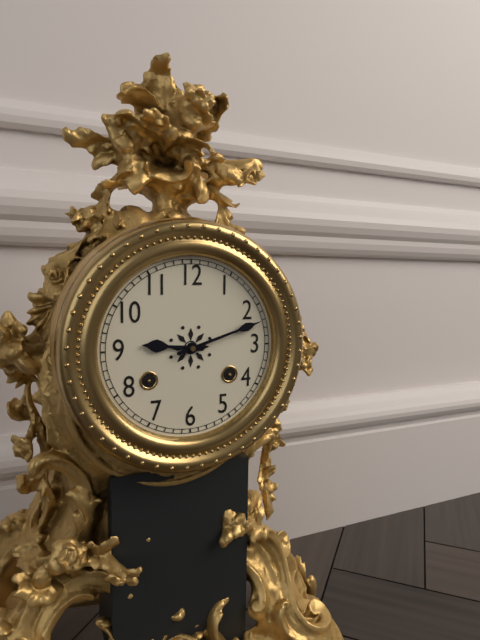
9h12
